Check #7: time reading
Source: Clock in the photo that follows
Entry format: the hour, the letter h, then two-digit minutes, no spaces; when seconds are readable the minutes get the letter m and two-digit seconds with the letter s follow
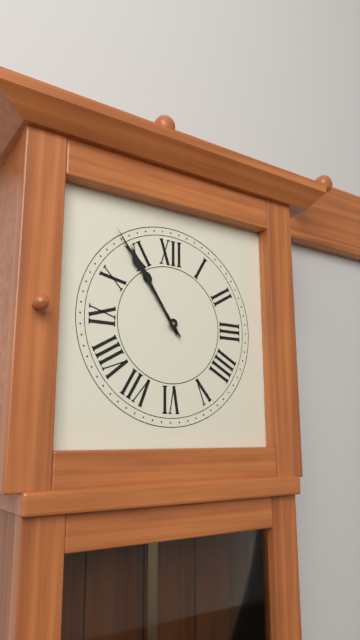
10h54
